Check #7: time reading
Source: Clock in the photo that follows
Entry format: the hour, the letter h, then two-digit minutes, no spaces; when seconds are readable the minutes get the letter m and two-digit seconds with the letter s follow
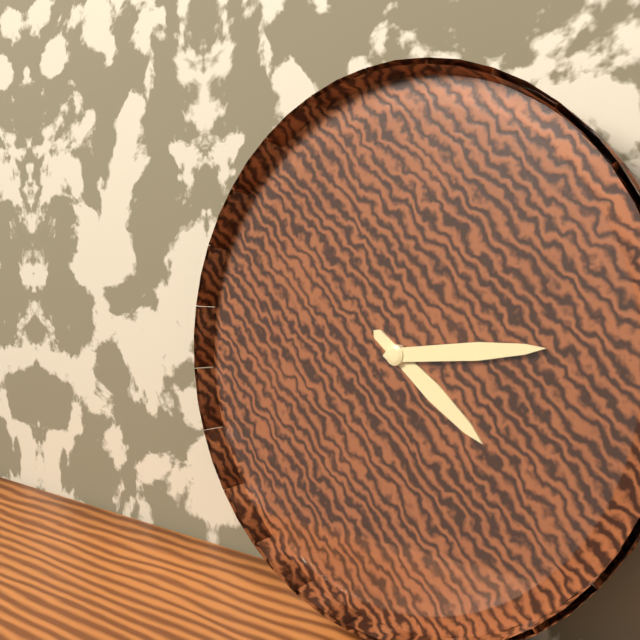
4h14
